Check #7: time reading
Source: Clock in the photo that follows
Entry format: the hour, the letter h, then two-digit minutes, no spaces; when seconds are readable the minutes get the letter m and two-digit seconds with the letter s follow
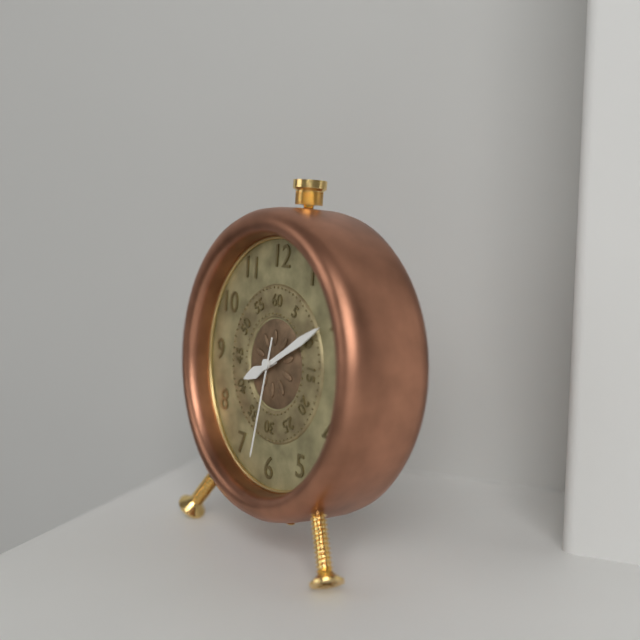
8h10m32s
